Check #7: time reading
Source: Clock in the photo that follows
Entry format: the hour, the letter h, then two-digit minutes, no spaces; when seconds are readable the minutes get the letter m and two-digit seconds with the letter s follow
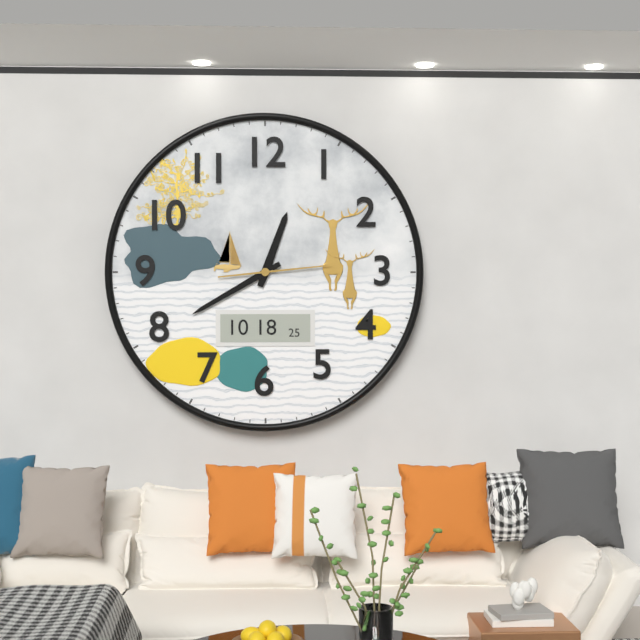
12h40m14s
